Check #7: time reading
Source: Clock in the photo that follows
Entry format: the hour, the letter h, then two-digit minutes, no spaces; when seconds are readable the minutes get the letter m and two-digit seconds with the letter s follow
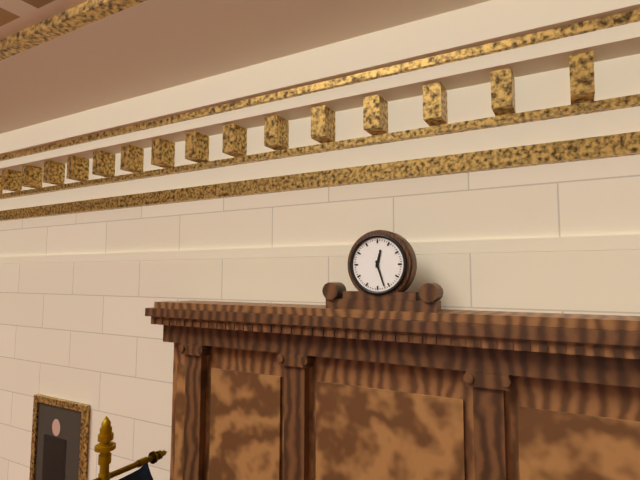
12h27
